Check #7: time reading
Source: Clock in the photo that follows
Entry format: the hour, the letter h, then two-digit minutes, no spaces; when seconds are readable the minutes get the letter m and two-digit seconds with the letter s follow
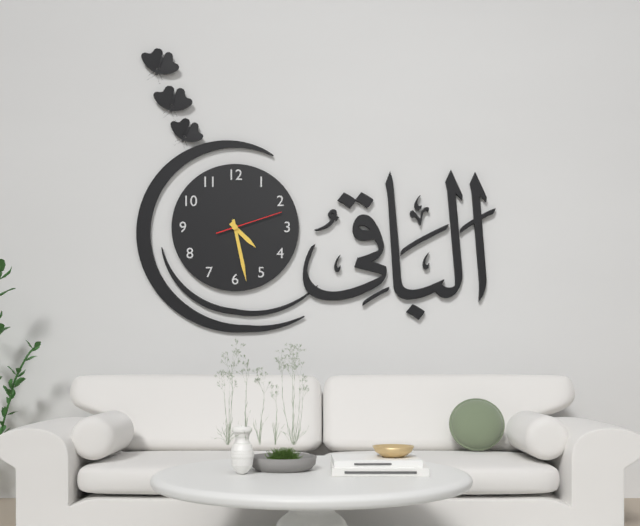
4h28m12s
